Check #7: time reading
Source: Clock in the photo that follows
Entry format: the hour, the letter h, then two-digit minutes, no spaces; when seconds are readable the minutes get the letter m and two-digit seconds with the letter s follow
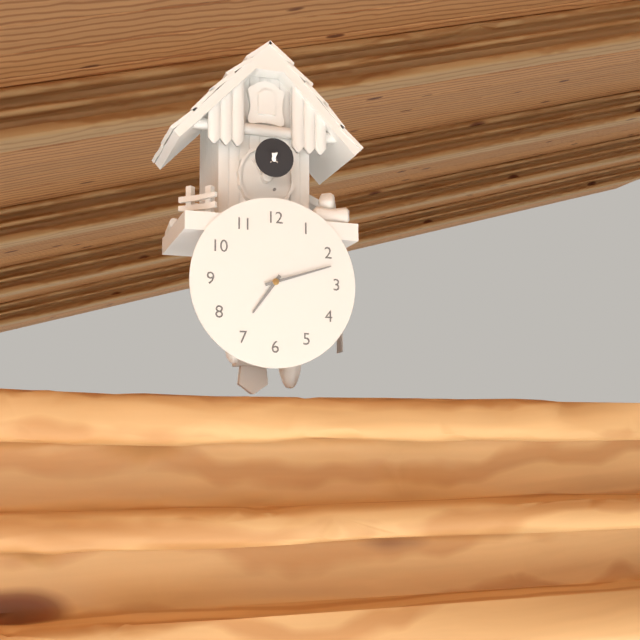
7h12
